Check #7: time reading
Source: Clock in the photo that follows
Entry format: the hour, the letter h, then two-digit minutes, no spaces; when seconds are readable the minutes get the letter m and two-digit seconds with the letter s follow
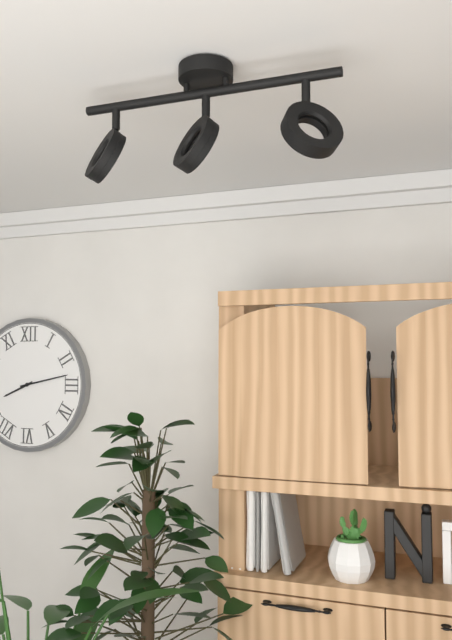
8h13
